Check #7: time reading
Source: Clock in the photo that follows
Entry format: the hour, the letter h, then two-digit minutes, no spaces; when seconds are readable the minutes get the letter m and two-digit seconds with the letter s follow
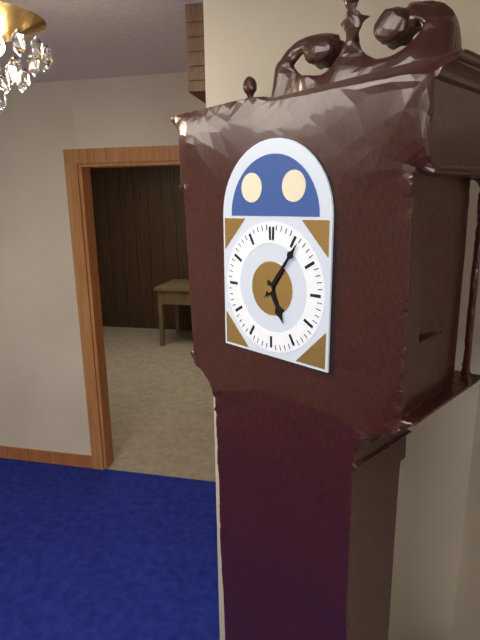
5h06
